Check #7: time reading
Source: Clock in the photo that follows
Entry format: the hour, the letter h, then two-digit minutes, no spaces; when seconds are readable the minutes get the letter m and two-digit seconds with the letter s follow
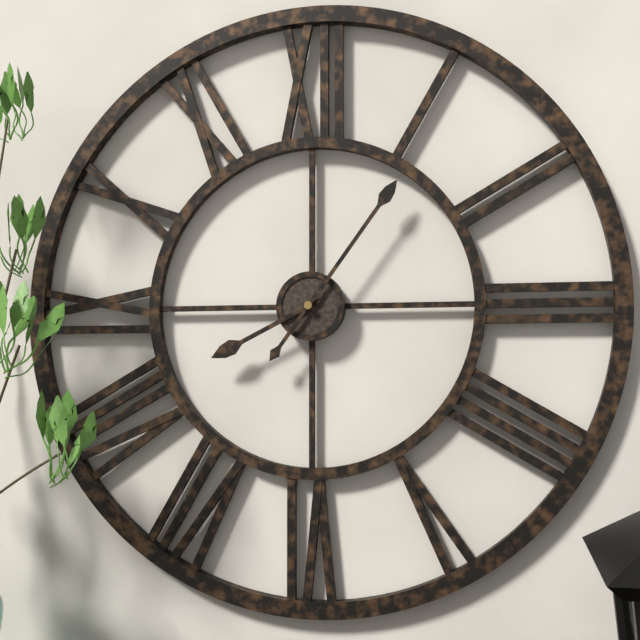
8h06
